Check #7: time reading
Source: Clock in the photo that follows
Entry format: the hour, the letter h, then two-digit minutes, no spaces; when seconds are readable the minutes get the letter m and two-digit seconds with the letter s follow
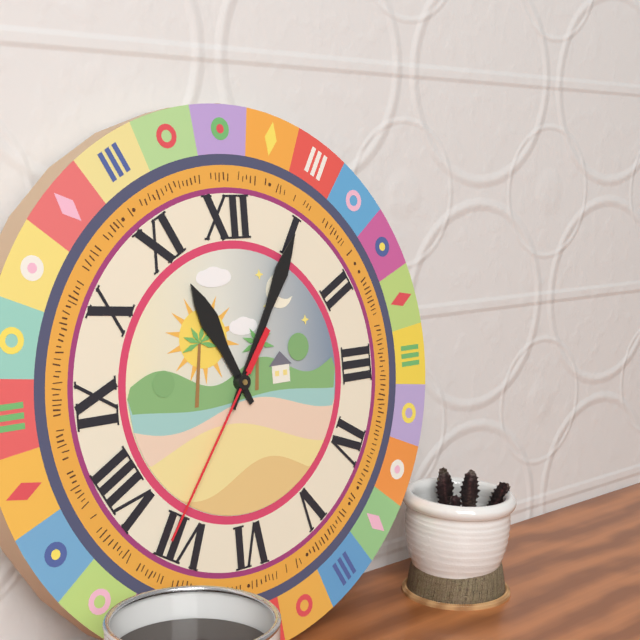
11h05m36s
